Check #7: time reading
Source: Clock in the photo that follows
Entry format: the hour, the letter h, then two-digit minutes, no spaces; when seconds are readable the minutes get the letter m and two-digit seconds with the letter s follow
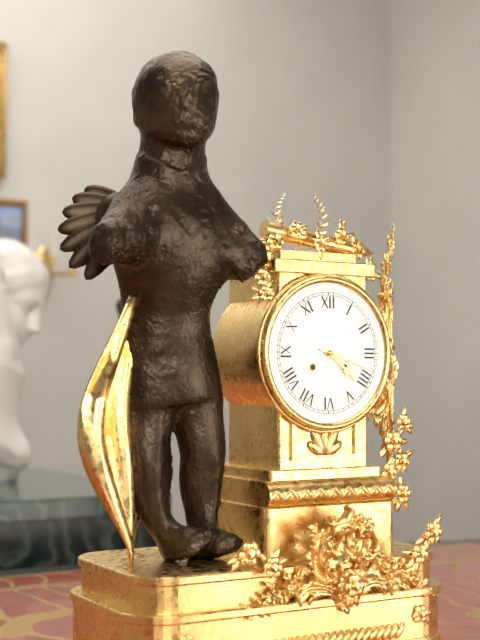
4h18
